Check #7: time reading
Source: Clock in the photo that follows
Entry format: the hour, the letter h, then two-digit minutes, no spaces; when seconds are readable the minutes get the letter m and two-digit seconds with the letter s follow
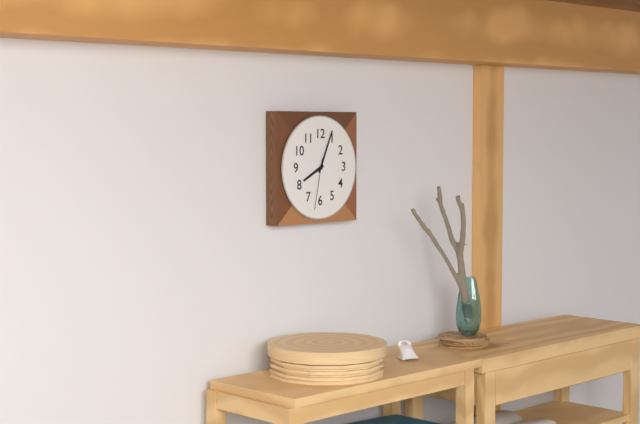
8h04m32s
